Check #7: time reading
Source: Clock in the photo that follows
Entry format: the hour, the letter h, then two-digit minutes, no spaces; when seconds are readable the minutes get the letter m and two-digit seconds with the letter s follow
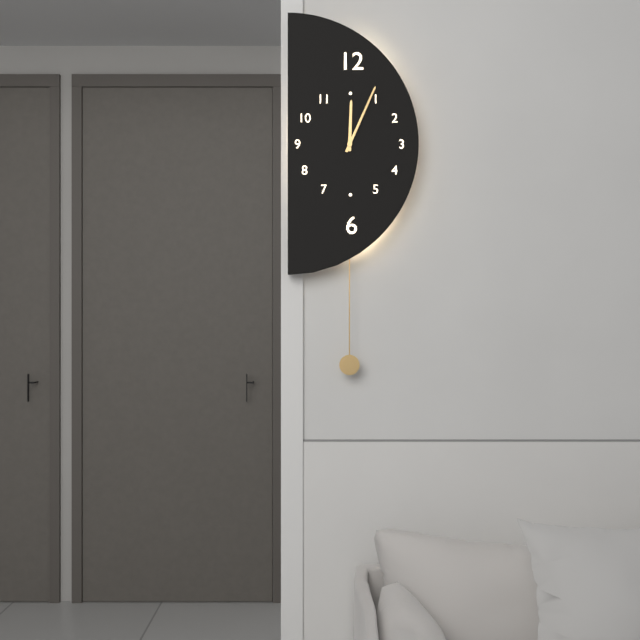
12h04
